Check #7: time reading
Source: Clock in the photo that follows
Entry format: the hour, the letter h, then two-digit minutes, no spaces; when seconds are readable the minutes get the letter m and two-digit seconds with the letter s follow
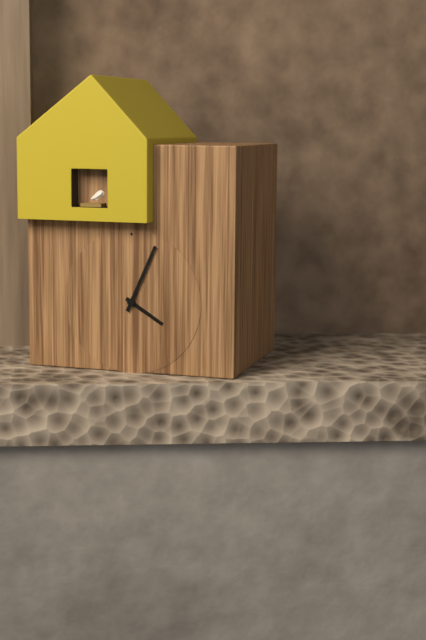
4h04
